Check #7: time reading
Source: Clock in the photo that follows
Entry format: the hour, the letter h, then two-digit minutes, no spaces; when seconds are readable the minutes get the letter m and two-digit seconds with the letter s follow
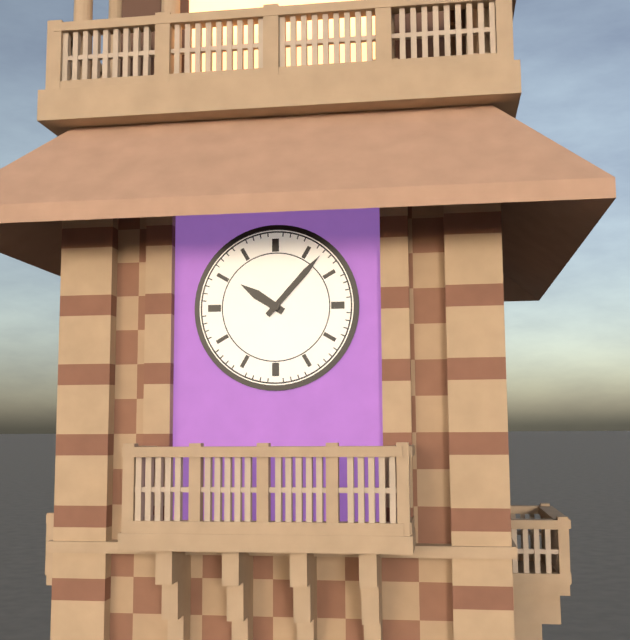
10h07
